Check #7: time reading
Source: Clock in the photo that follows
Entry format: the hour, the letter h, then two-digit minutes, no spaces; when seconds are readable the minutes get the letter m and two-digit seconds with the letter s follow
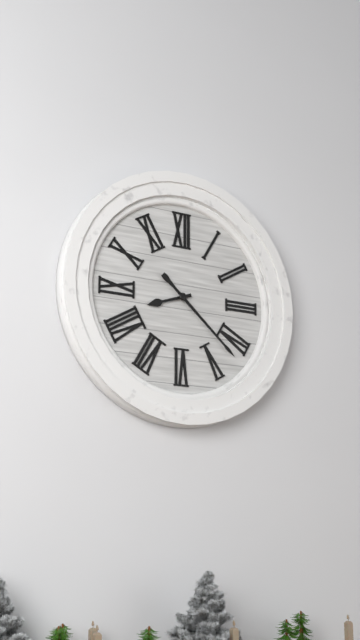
8h22
